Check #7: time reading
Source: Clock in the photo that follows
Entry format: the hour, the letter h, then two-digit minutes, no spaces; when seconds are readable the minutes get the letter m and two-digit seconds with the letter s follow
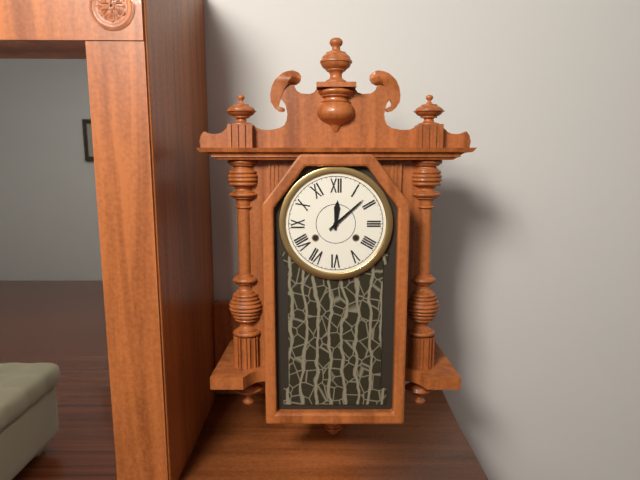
12h08
